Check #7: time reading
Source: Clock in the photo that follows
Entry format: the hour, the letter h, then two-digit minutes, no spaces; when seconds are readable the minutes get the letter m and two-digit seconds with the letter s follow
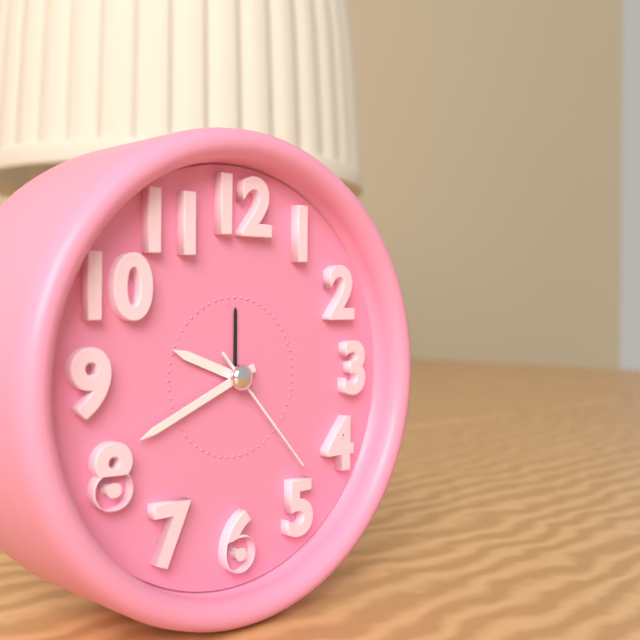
9h41m23s
